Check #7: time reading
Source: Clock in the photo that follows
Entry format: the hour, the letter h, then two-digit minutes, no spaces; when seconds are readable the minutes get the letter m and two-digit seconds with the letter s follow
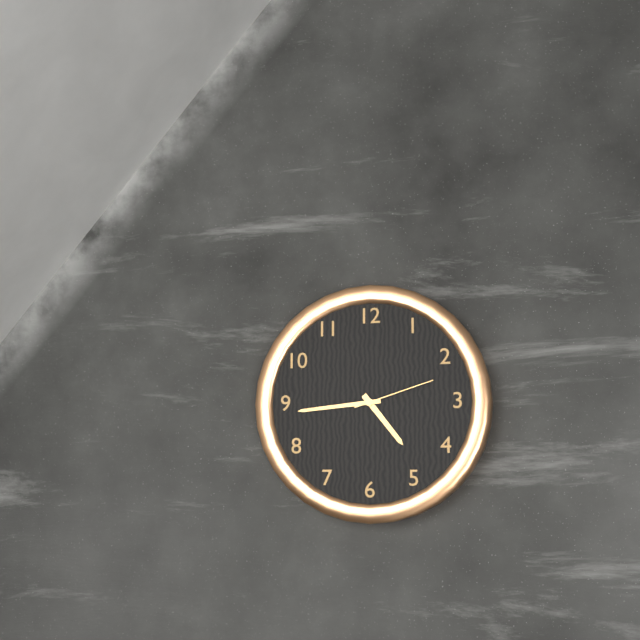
4h44m12s
